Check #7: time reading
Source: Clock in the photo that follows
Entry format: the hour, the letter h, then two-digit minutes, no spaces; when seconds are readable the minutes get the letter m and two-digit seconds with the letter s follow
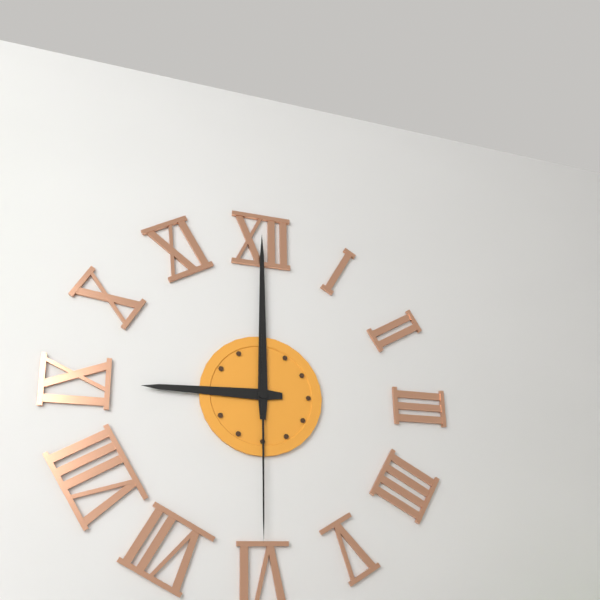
9h00m30s
